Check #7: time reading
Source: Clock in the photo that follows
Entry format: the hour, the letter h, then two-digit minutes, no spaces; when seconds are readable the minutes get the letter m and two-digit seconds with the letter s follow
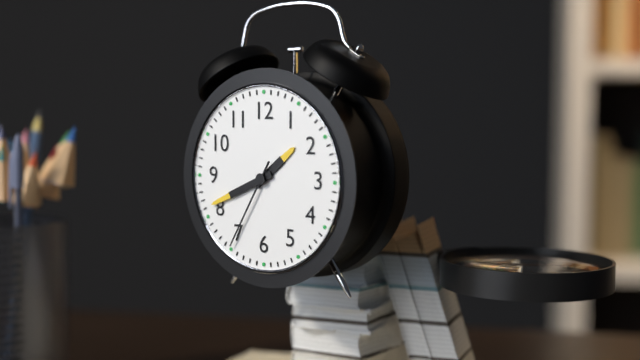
1h41m35s
